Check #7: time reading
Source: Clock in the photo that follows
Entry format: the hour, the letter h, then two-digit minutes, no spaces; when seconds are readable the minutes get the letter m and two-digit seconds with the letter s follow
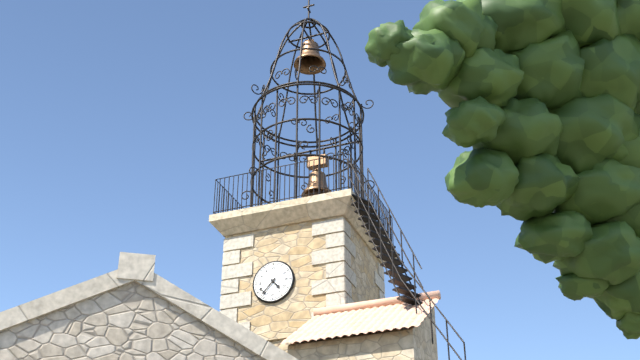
4h37
